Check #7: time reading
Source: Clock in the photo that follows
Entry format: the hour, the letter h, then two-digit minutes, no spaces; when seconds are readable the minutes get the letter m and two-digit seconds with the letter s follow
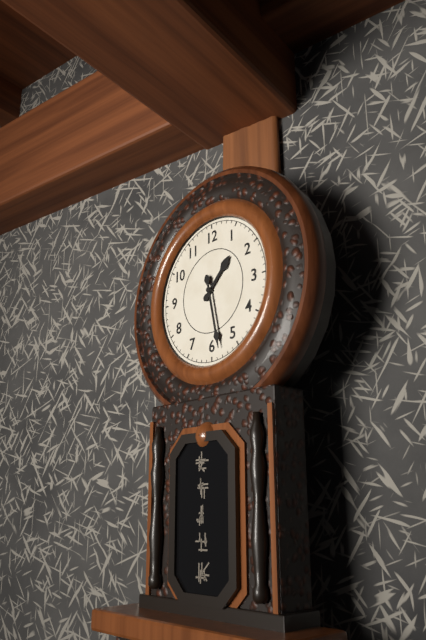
1h28
